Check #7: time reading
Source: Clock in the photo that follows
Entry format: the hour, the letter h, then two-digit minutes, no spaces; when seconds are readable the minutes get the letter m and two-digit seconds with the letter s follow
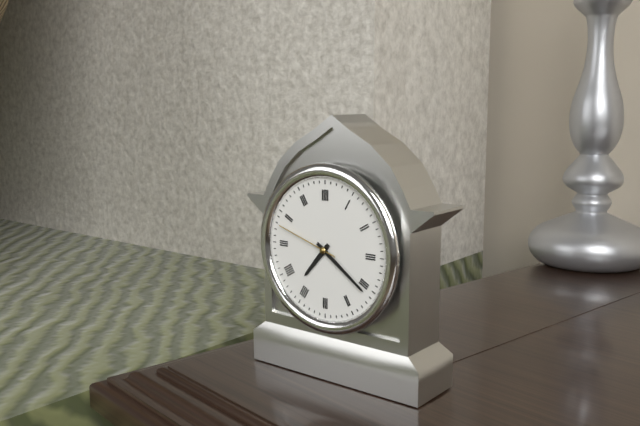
7h21m48s
